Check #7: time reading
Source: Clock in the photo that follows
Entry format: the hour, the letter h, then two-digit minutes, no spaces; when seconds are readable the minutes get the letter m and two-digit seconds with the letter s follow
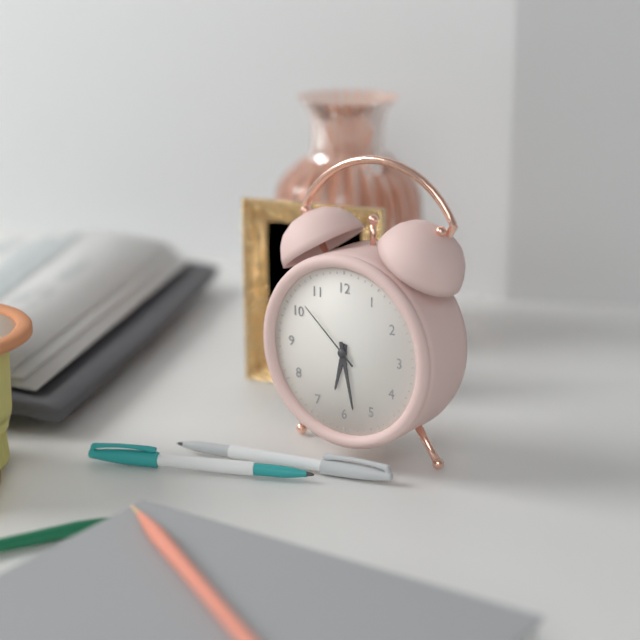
6h28m52s
